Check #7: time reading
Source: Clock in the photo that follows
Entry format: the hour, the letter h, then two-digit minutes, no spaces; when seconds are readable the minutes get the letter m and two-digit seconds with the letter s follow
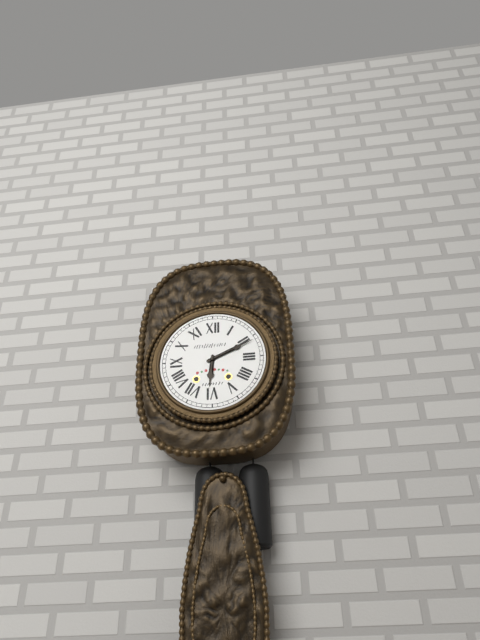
6h11
